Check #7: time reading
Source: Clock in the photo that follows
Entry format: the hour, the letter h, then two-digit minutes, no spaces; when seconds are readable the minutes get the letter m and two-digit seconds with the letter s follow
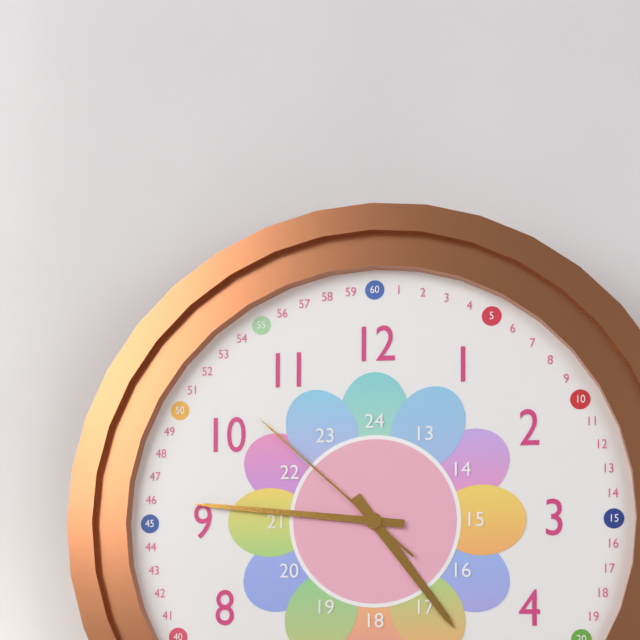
4h46m52s
